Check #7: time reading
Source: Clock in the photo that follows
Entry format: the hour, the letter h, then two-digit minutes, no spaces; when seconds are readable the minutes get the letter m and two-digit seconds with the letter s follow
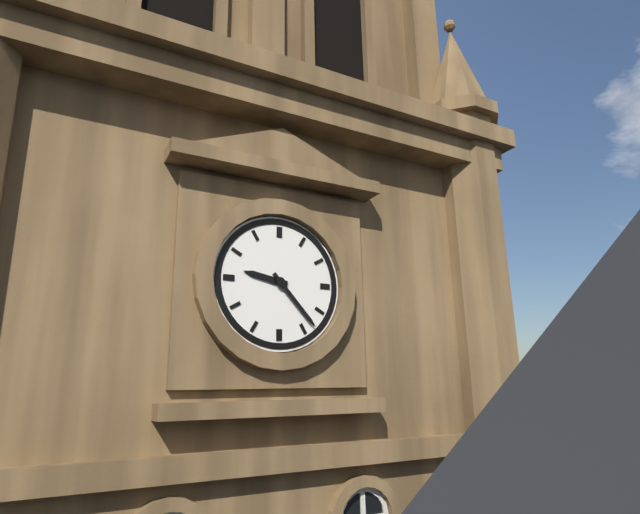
9h23
